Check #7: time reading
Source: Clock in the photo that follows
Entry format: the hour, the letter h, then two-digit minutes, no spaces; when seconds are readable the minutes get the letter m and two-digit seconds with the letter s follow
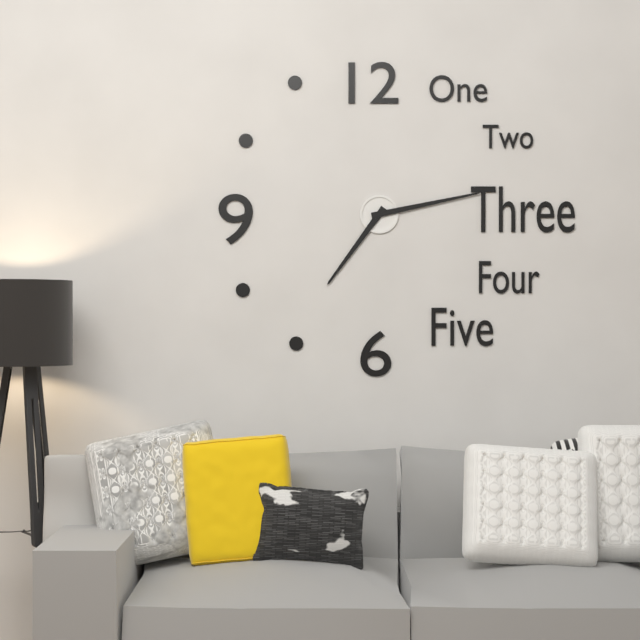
7h13
